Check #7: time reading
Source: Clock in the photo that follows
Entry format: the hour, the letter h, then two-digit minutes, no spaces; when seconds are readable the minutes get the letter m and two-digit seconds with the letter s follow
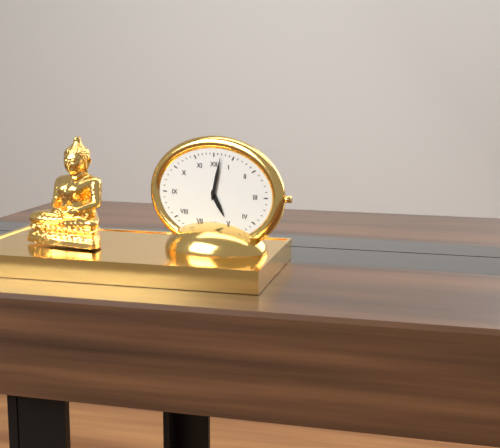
5h02
